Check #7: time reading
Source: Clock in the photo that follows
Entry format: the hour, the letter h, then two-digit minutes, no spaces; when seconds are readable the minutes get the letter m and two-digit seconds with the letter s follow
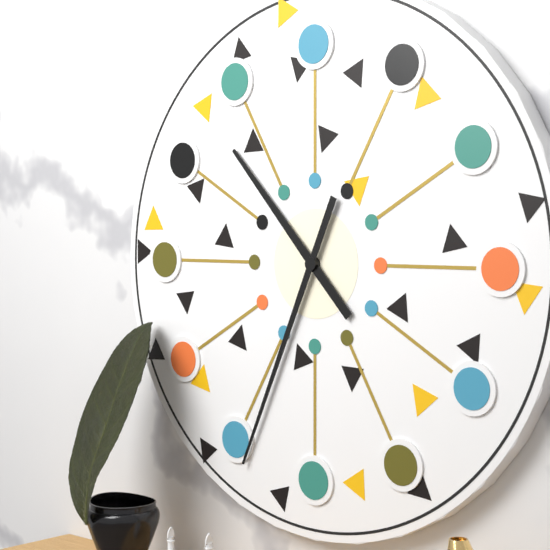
10h34
